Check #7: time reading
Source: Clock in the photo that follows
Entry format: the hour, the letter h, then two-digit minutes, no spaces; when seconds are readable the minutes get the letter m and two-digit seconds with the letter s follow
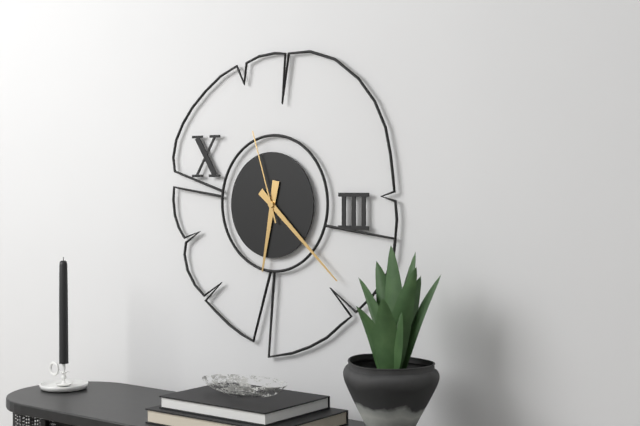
6h22m57s
